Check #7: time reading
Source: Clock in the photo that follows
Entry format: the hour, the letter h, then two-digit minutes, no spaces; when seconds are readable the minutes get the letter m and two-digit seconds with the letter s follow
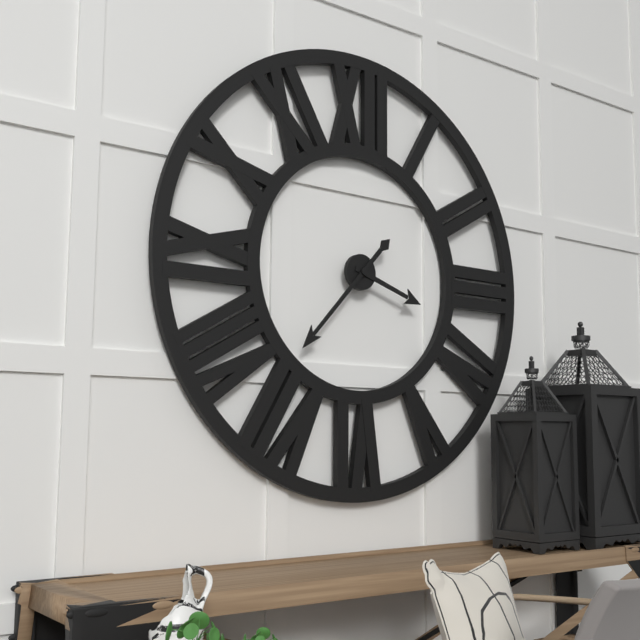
3h37
